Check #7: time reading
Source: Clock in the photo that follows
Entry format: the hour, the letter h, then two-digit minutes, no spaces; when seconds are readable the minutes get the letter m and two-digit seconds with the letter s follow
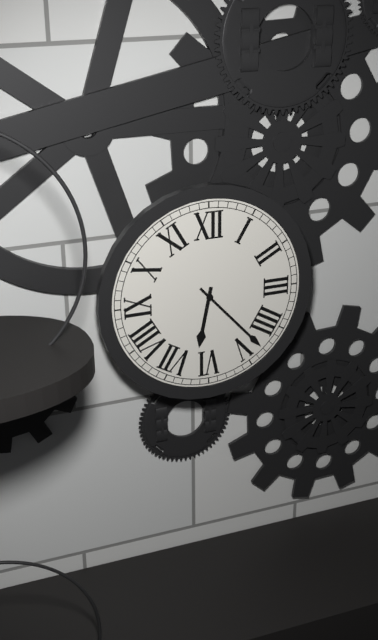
6h23
